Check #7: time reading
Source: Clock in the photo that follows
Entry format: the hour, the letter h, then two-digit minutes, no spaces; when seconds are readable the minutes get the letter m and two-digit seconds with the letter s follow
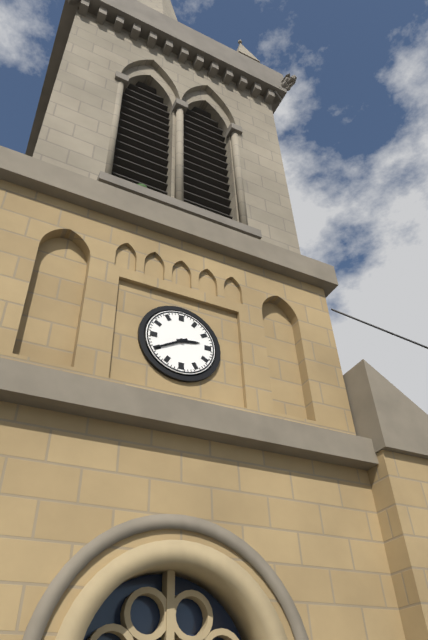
2h40
